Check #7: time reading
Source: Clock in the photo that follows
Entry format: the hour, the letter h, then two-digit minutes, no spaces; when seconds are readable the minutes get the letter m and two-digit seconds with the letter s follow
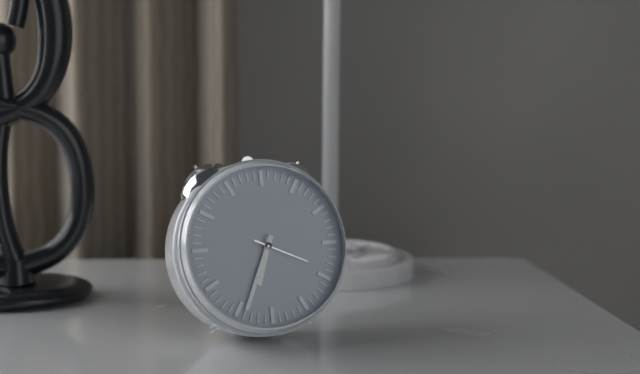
6h34m19s
